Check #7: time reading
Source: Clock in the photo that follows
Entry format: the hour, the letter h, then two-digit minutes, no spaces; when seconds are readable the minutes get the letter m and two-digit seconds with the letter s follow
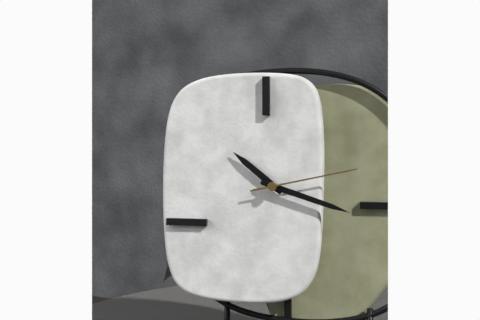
10h18m13s
